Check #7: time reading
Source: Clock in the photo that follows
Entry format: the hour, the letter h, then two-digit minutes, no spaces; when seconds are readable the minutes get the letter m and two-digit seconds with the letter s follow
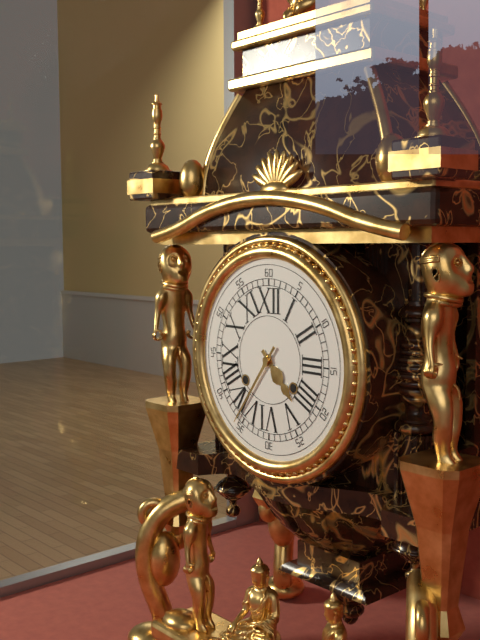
4h36
